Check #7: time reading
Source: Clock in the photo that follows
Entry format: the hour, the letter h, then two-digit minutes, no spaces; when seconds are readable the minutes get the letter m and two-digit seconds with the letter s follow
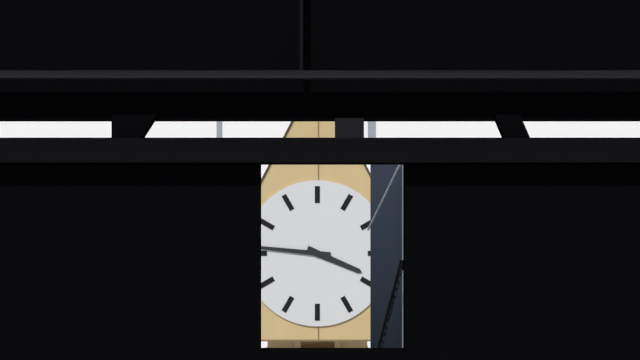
3h46
